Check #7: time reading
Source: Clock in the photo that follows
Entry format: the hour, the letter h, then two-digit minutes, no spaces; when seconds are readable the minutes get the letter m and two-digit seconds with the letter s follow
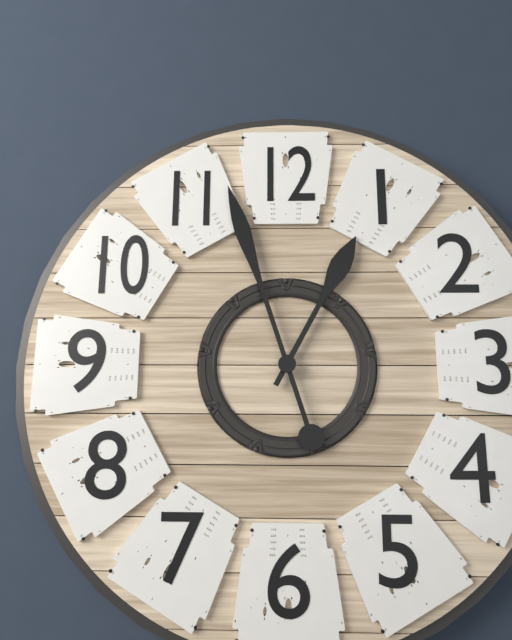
12h57
